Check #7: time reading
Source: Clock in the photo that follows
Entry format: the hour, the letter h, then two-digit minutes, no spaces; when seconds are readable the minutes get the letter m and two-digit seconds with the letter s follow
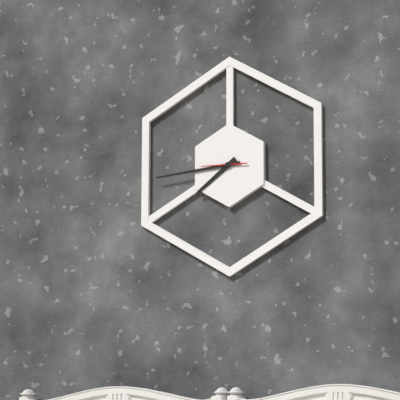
7h44
